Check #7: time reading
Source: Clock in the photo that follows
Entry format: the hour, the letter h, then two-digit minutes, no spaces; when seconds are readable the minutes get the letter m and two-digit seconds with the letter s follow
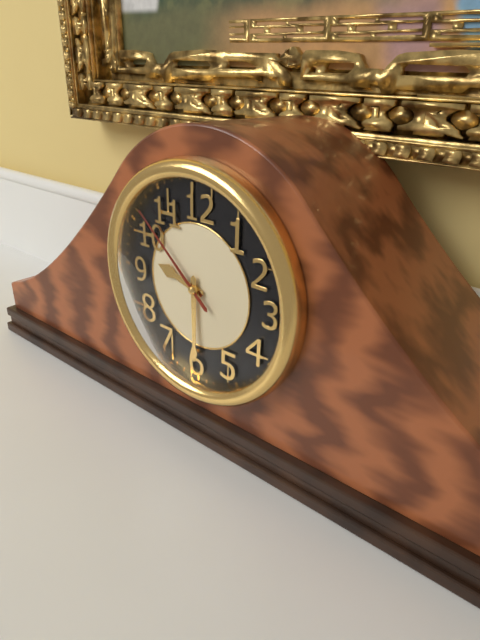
9h30m52s
